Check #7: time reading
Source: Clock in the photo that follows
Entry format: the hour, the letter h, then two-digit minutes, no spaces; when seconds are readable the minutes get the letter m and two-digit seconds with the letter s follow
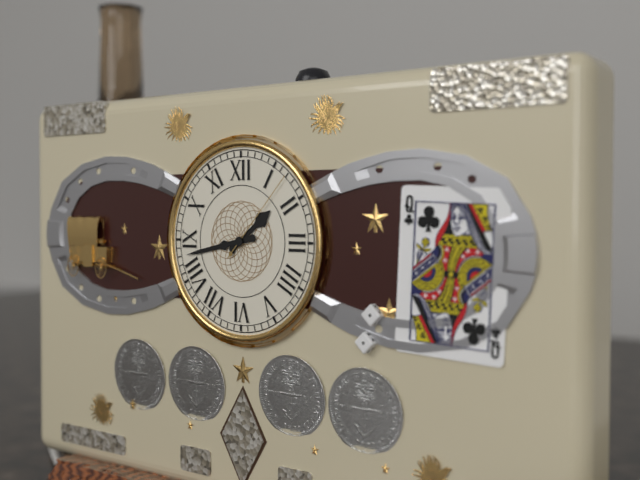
1h43m07s
